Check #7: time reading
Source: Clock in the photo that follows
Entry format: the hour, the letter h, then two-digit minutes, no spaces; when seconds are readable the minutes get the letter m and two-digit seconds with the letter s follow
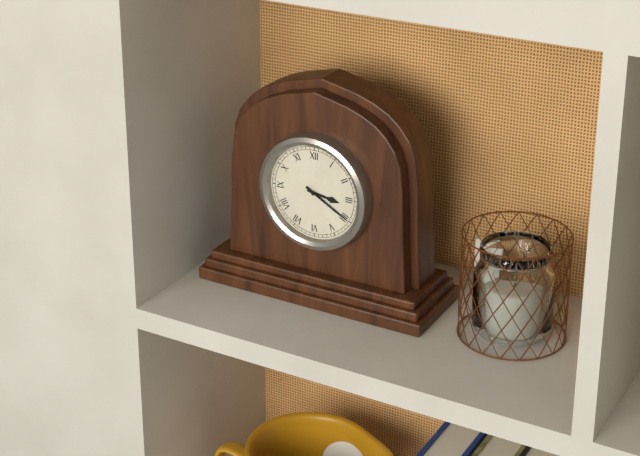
3h20
